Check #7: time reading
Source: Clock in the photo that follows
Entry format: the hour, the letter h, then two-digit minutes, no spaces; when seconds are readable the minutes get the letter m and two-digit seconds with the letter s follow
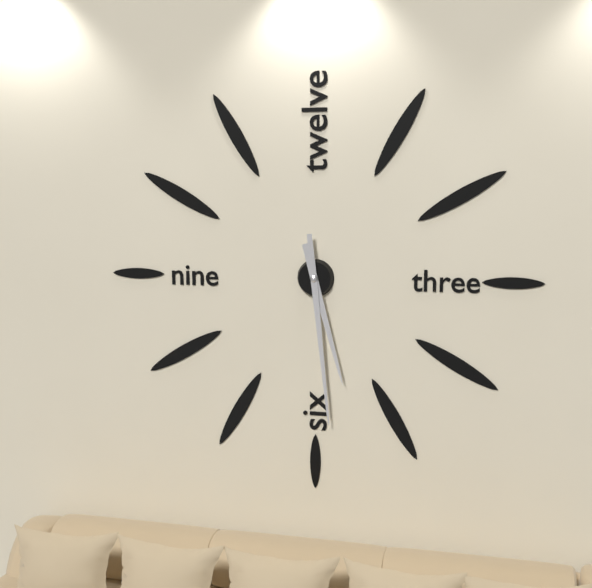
5h29
